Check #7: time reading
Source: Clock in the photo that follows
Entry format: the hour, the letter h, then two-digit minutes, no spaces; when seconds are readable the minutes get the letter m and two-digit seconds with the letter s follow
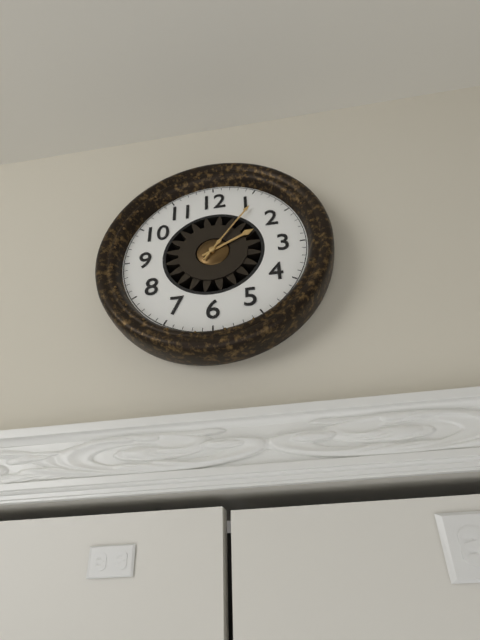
2h06
